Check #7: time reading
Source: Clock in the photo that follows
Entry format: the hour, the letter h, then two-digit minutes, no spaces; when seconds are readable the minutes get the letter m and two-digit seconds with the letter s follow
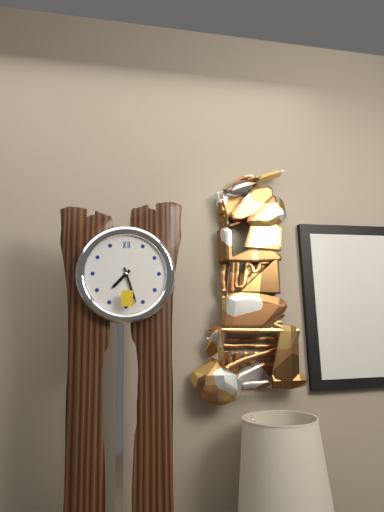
7h27
